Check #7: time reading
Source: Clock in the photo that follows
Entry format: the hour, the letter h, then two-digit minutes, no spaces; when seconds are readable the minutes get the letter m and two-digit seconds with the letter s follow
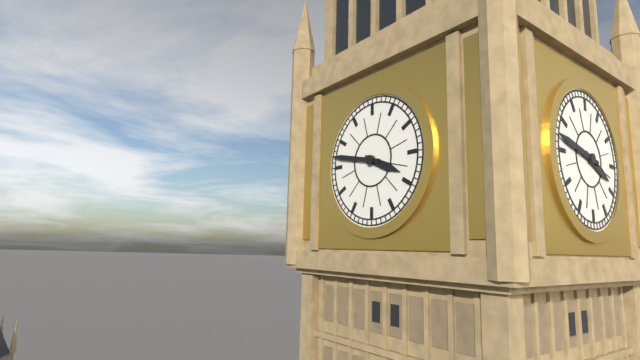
3h47
